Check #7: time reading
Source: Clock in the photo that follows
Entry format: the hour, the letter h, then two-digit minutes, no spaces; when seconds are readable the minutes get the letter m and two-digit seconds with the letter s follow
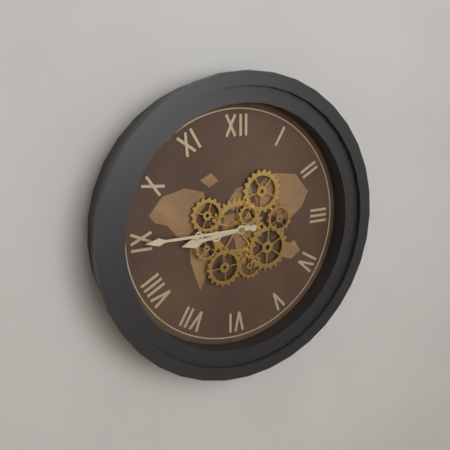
8h45
